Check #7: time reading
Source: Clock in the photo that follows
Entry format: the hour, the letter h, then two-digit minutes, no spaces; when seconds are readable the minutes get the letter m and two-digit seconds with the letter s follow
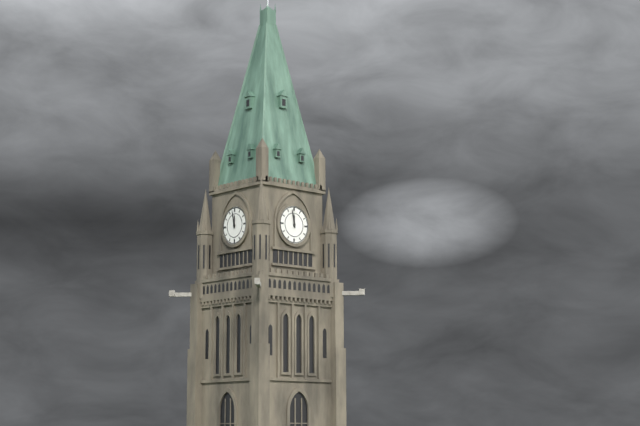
11h58
